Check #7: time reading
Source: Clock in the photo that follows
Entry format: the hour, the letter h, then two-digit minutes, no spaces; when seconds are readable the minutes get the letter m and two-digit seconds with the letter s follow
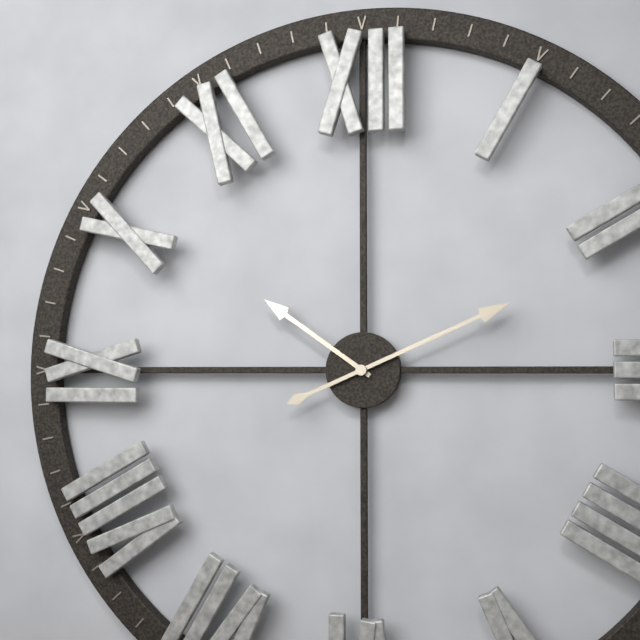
10h11
